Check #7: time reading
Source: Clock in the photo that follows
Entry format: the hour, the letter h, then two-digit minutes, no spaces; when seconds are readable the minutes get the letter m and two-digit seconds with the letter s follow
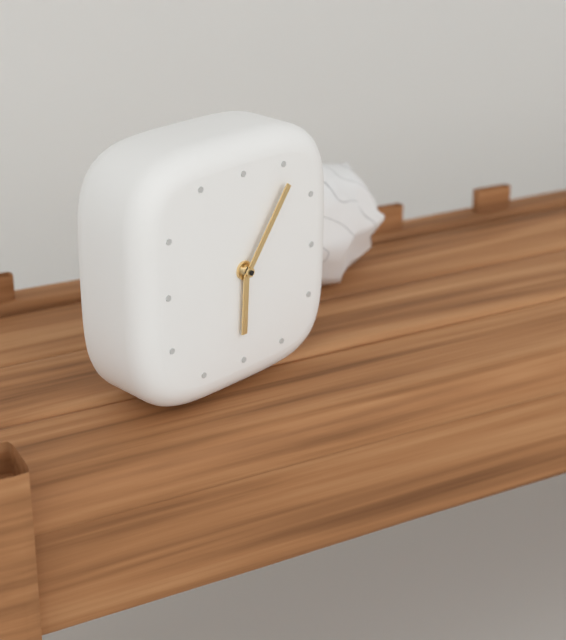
6h06
